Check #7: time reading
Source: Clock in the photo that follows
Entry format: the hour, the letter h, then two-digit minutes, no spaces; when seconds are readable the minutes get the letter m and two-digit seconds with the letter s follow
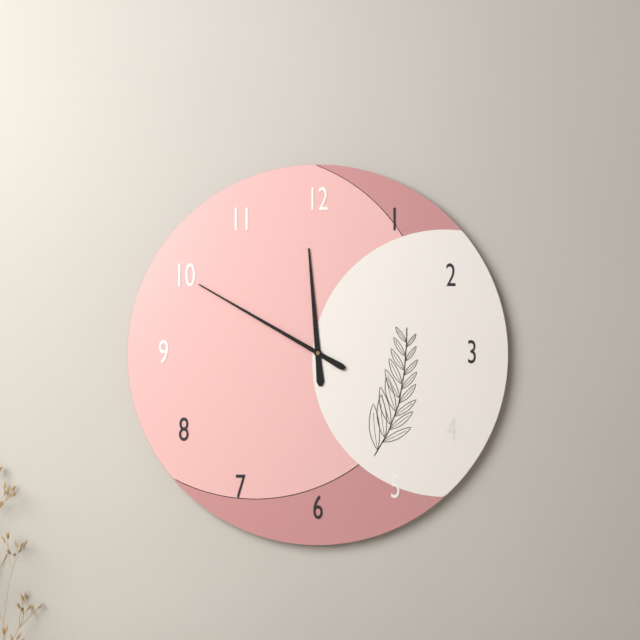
11h50
